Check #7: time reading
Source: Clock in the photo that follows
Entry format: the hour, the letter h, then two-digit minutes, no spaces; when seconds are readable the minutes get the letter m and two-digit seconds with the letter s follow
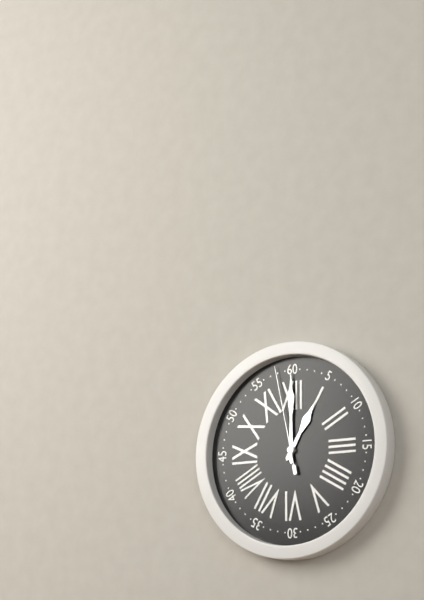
1h00m58s
